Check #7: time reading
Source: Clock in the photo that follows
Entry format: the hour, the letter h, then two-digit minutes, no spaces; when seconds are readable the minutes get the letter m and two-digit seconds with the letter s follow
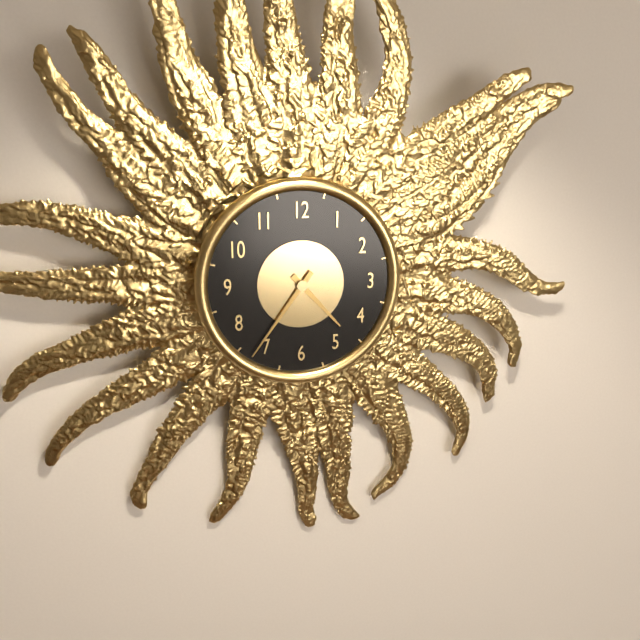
4h36
